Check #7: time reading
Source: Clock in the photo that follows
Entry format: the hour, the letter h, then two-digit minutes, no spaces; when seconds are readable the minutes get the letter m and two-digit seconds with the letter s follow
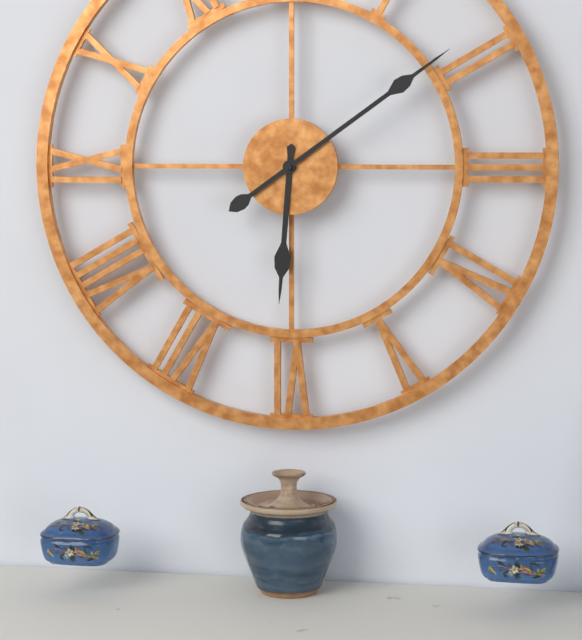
6h09
